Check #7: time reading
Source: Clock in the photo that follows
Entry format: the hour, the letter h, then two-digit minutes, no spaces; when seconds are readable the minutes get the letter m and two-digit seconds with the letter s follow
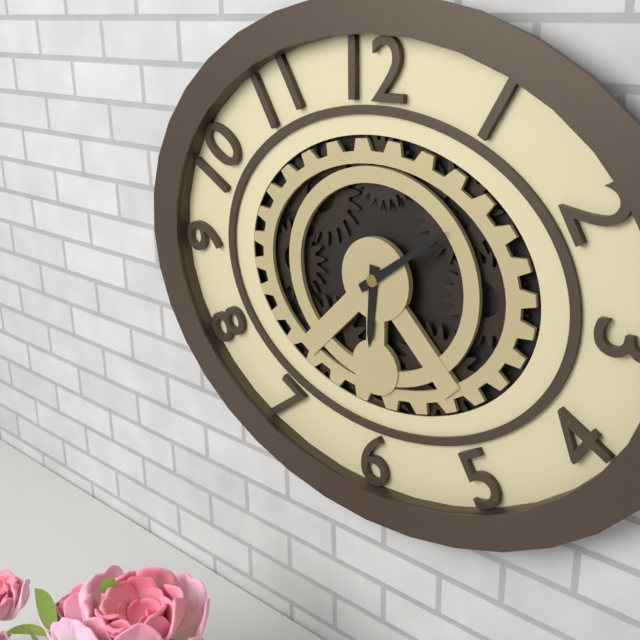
6h09
